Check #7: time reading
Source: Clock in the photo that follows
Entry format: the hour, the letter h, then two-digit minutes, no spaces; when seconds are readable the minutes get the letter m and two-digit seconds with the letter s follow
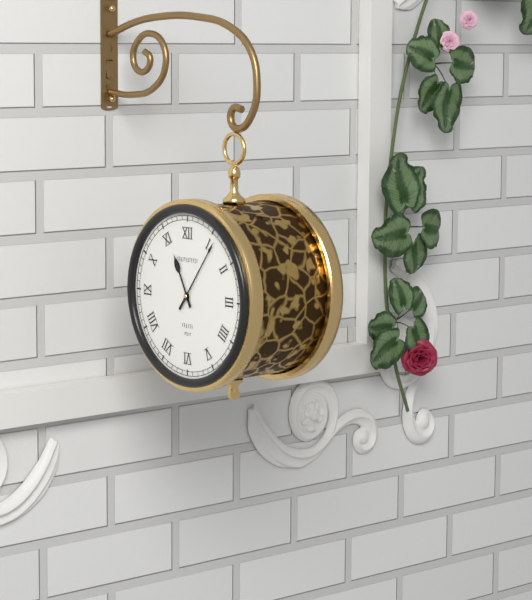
11h06
